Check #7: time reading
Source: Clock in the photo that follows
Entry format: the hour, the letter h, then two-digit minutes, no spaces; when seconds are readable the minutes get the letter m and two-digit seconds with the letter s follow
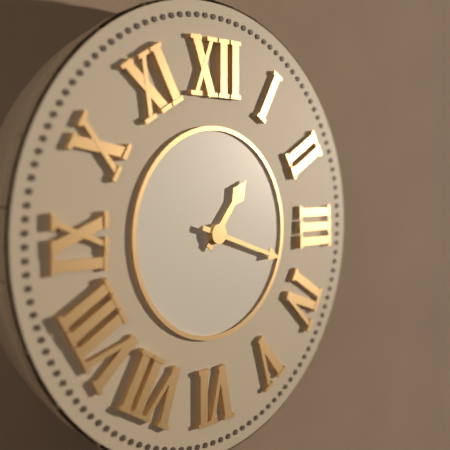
1h18
